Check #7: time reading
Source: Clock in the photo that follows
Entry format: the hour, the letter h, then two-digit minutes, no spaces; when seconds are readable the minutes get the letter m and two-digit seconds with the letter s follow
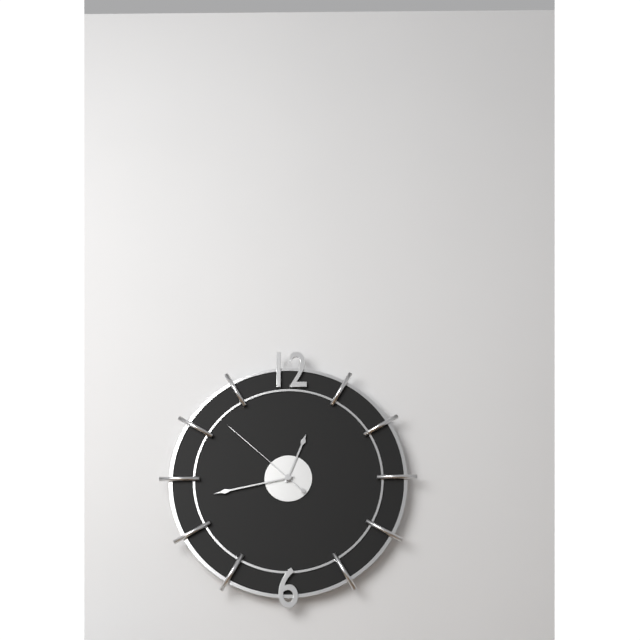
12h43m52s
